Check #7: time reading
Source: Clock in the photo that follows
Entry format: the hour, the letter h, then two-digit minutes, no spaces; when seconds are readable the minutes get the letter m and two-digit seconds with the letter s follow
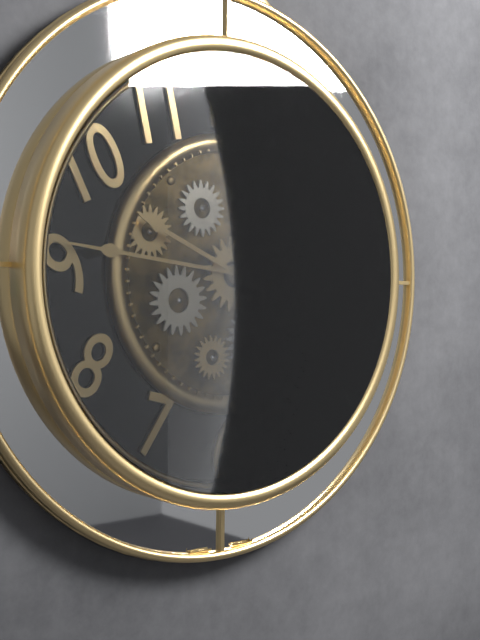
9h46
